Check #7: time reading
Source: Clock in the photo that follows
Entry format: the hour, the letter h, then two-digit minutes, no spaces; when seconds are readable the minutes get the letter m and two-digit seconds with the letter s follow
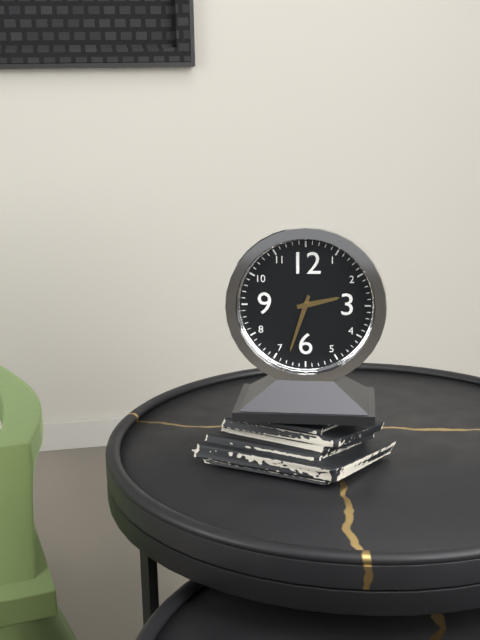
2h33
